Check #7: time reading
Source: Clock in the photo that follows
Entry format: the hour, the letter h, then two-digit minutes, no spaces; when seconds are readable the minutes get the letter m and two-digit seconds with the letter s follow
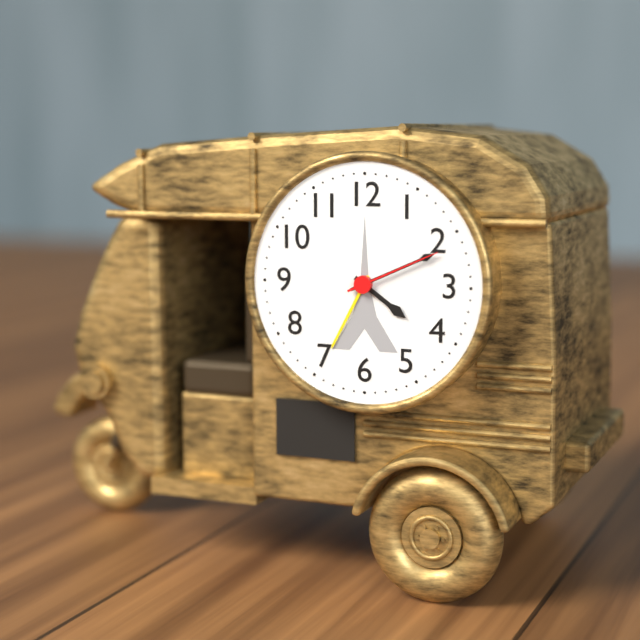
4h11m11s
